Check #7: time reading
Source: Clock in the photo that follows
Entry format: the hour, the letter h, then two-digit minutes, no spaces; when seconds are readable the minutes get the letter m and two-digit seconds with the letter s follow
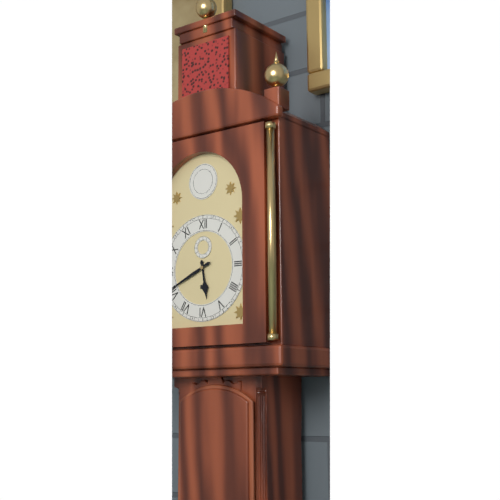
5h41
